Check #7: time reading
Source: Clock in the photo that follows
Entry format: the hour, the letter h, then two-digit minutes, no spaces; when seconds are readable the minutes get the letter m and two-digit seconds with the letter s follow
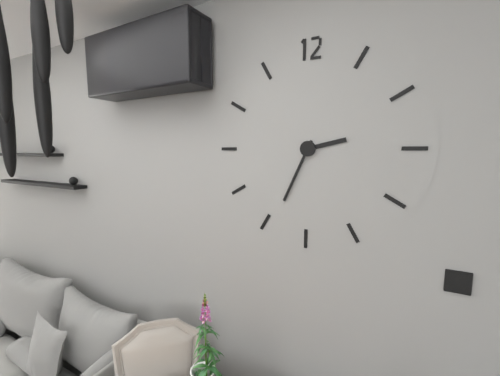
2h34
